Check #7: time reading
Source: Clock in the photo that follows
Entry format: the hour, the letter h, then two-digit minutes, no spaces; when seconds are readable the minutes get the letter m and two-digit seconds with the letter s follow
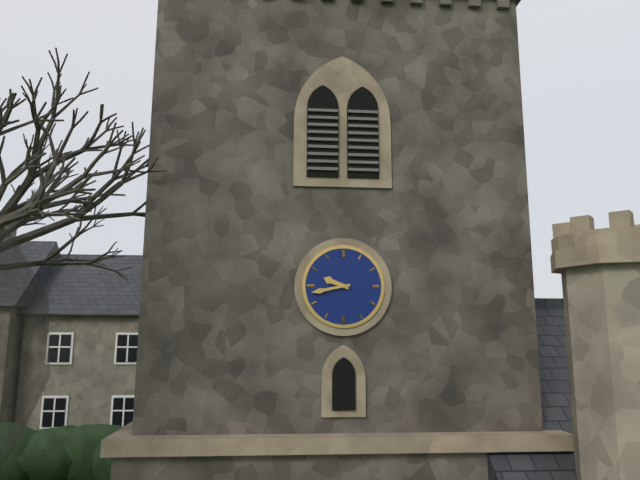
9h43
